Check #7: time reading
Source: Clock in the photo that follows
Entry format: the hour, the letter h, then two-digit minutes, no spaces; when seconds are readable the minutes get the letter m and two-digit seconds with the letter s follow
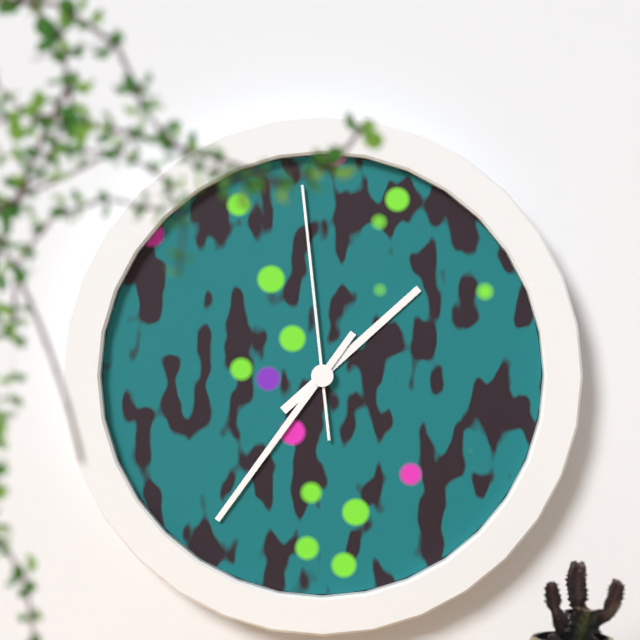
1h36m59s
